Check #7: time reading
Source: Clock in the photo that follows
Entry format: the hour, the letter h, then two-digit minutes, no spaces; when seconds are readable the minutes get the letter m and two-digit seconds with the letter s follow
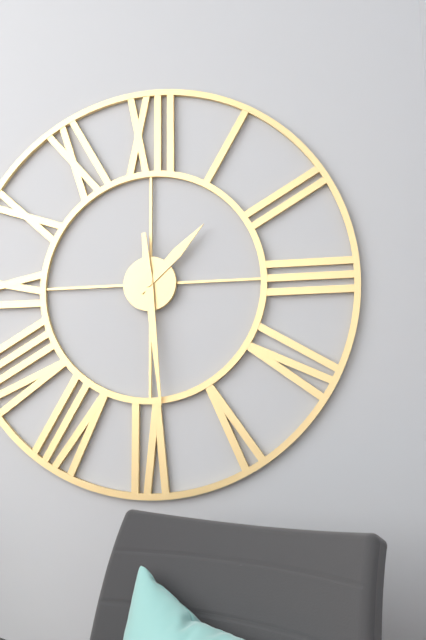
1h29
